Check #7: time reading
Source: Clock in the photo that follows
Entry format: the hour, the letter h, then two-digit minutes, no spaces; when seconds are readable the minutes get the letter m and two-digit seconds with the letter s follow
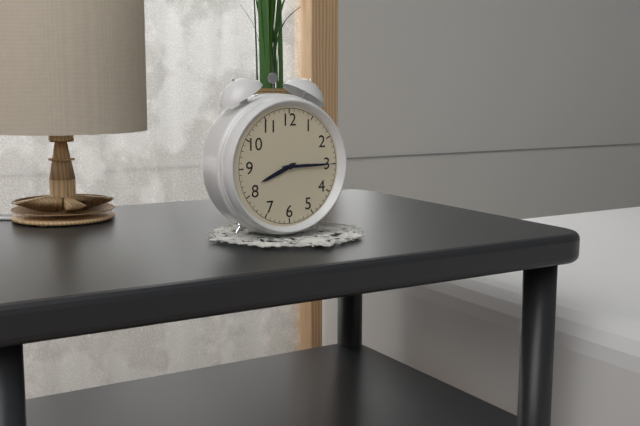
8h15
